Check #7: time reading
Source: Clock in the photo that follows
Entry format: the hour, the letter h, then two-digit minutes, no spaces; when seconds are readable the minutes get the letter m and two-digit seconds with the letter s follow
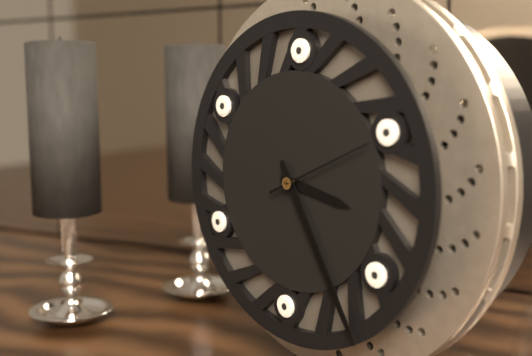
3h25m11s
